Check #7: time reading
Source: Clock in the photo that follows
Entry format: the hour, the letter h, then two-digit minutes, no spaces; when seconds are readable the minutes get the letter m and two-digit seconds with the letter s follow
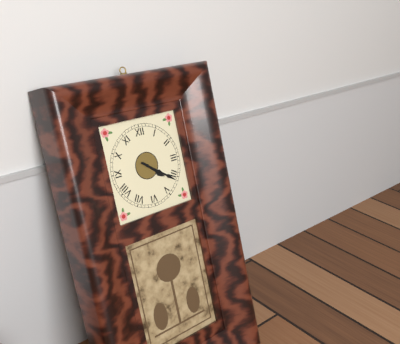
4h21
